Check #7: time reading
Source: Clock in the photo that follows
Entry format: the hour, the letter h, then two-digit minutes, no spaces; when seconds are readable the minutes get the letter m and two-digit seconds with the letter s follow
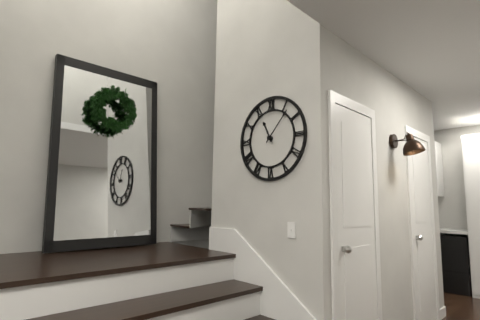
11h07
